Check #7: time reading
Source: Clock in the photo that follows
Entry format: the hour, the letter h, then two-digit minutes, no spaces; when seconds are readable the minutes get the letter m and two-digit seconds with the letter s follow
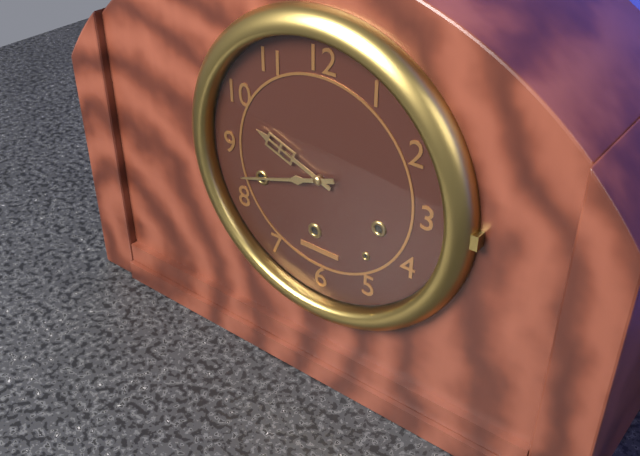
9h42
